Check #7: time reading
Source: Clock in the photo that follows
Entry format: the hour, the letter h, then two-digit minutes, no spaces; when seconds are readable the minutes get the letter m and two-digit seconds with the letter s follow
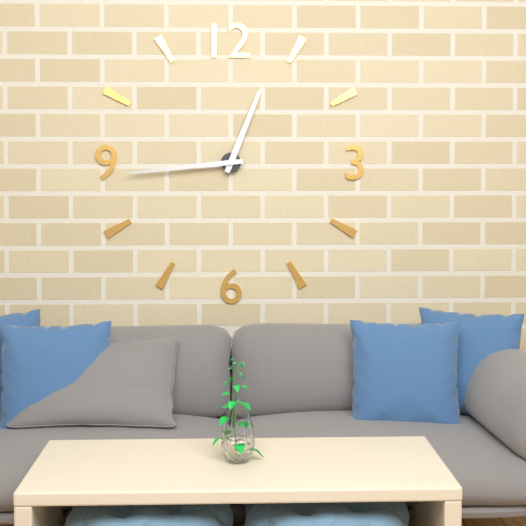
12h44
